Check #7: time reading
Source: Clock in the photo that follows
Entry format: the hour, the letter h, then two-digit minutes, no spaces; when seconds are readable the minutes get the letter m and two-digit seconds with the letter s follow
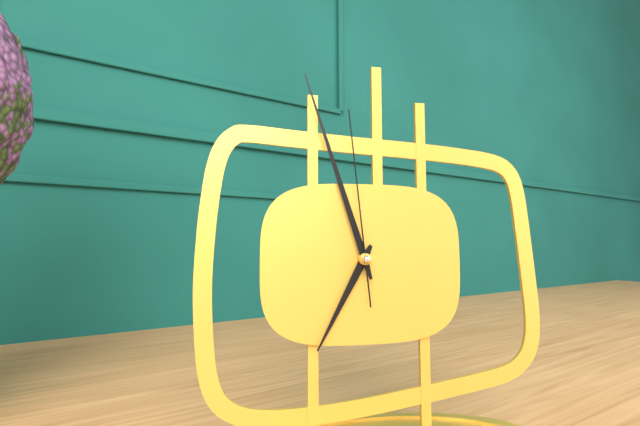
6h57m59s
